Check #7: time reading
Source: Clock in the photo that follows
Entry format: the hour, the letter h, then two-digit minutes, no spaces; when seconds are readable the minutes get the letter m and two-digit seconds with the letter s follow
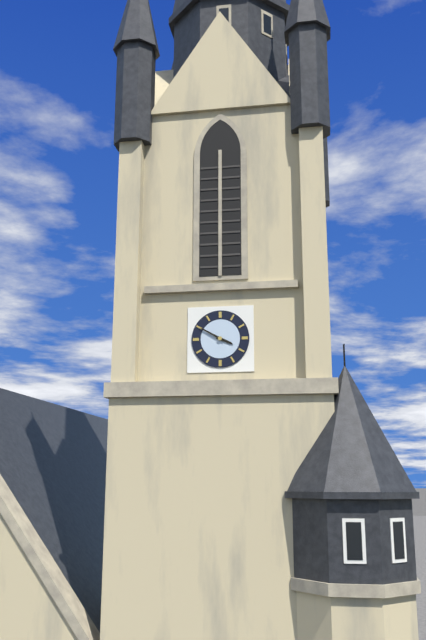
3h50
